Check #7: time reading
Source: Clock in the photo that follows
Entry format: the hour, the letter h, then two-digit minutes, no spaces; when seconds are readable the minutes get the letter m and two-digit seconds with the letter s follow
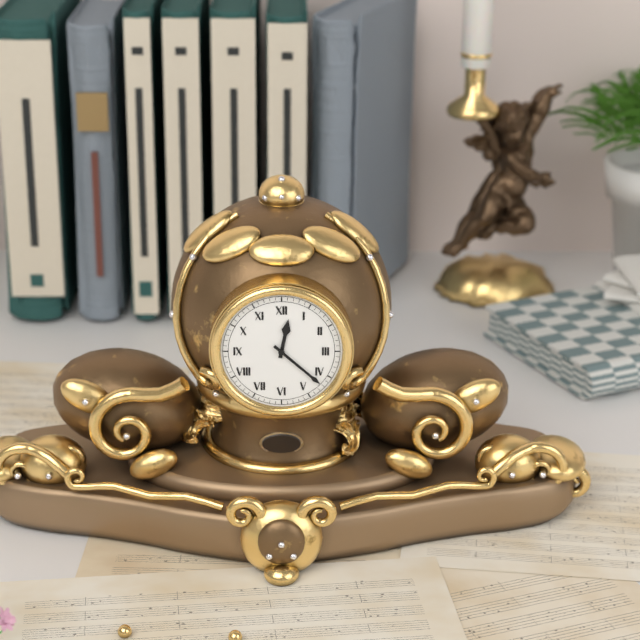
12h22
